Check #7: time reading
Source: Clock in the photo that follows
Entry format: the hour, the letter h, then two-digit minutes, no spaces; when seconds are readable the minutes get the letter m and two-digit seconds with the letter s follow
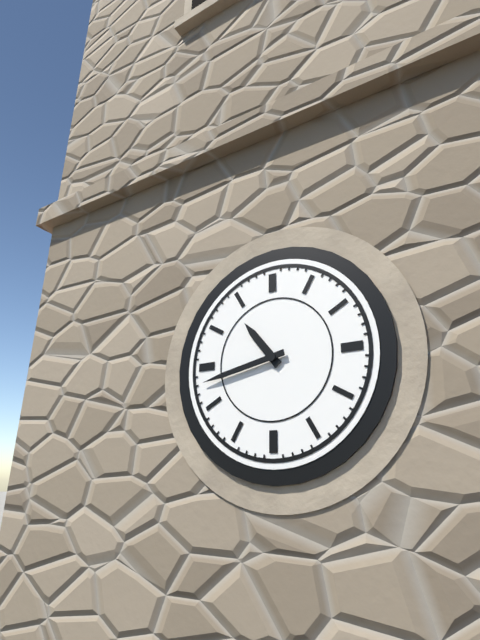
10h43
